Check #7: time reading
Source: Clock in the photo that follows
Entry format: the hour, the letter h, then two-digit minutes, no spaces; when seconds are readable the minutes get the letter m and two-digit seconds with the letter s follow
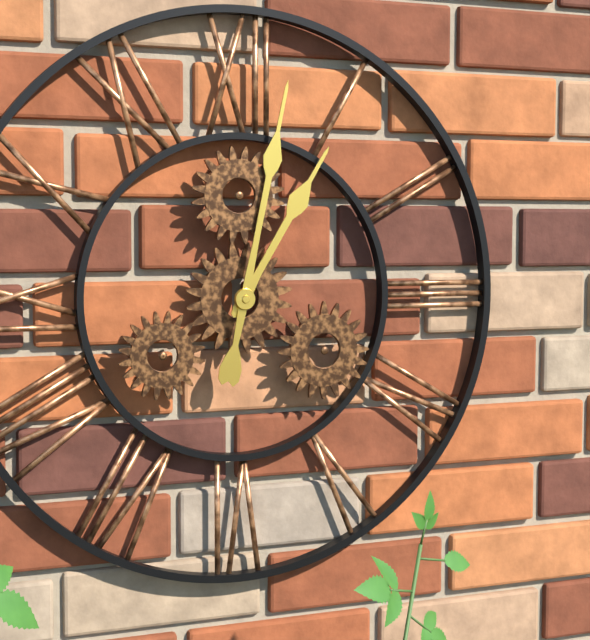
1h02
